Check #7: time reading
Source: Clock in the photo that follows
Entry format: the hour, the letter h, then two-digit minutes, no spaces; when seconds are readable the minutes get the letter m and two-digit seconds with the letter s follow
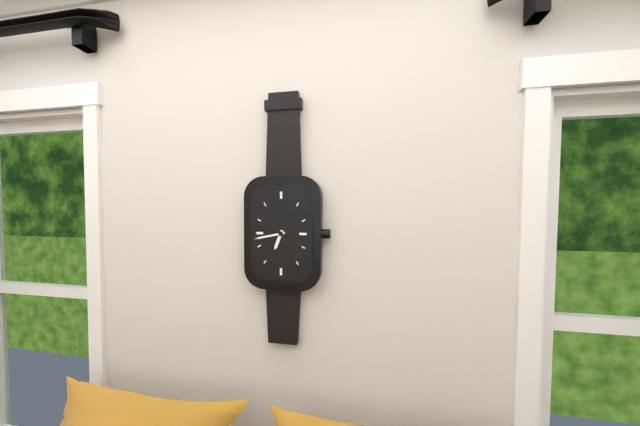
6h43
